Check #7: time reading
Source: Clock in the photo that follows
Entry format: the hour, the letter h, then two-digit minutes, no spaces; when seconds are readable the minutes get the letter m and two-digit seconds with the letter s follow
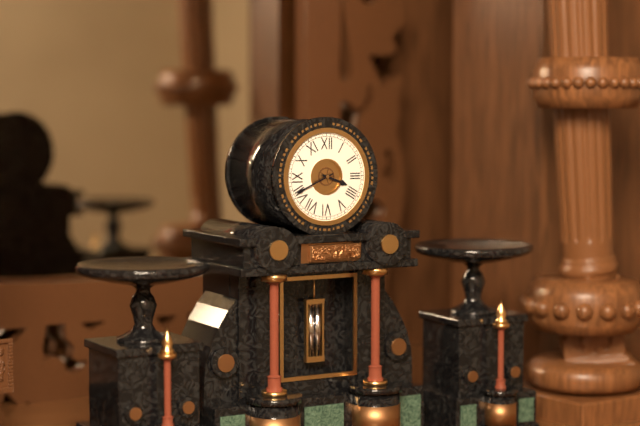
3h41
